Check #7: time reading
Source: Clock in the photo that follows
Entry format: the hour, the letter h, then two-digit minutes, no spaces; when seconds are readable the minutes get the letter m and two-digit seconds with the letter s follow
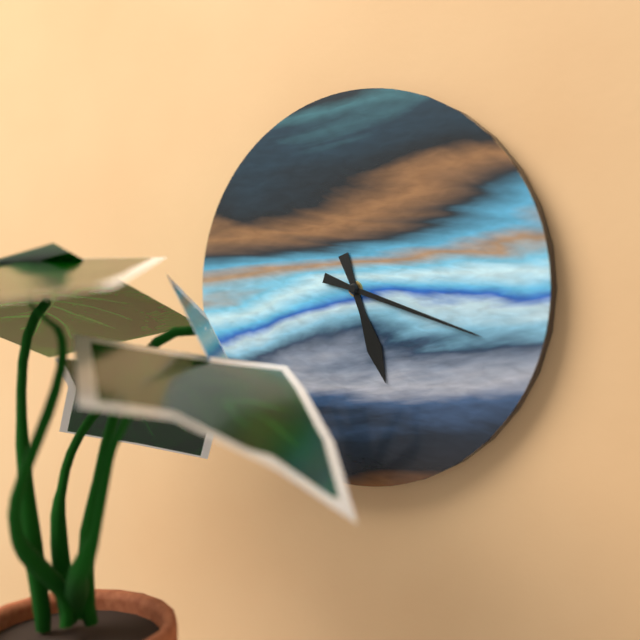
5h18
